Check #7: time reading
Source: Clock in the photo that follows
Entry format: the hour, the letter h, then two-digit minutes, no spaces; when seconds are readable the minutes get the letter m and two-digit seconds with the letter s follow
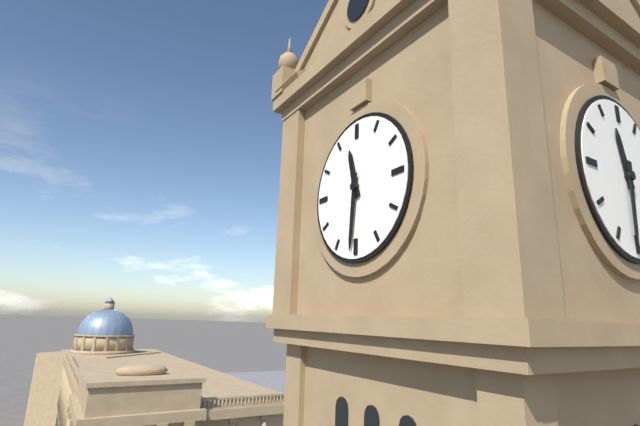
11h31
